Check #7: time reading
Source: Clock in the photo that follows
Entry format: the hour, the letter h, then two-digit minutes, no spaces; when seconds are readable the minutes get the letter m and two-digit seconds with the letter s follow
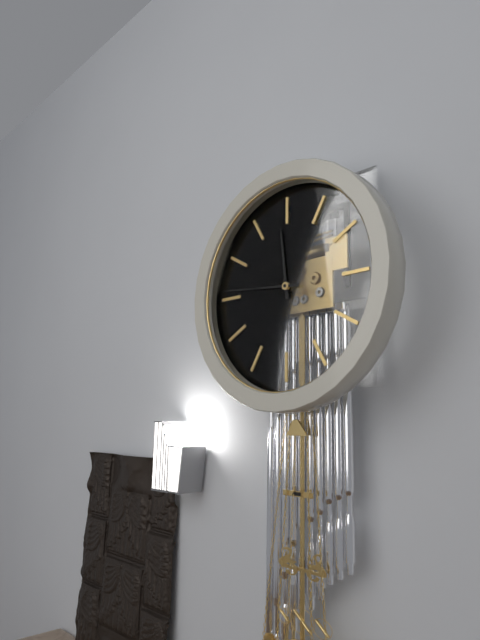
11h46
